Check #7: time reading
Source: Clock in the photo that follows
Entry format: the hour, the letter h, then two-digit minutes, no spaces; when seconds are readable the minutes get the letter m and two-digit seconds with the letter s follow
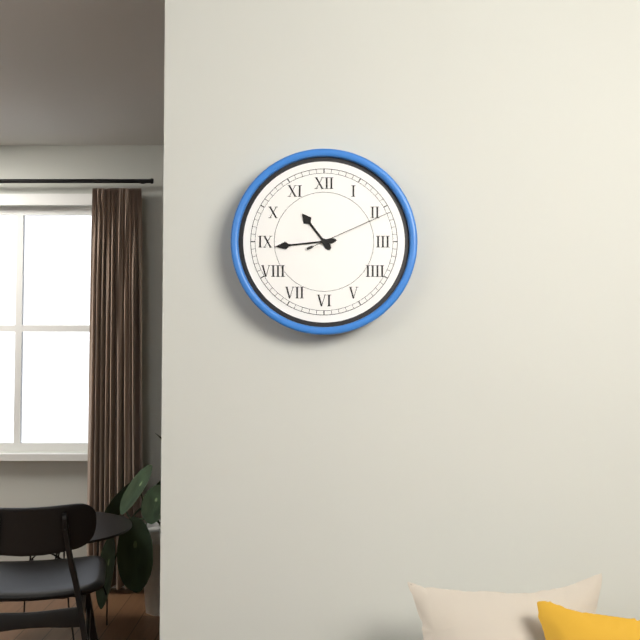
10h44m11s
